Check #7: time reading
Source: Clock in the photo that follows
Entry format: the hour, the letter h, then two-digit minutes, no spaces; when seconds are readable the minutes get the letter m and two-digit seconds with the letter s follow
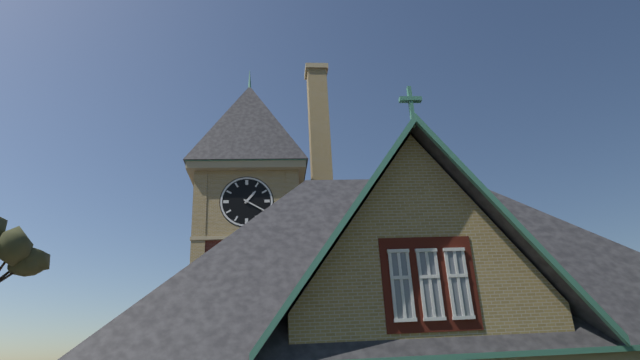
1h20
